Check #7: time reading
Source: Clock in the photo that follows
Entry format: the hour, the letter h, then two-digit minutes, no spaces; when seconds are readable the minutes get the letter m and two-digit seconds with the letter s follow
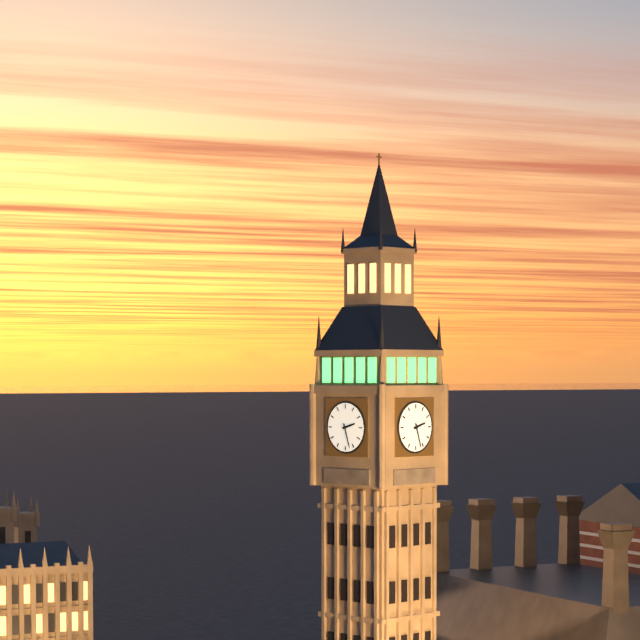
2h27
